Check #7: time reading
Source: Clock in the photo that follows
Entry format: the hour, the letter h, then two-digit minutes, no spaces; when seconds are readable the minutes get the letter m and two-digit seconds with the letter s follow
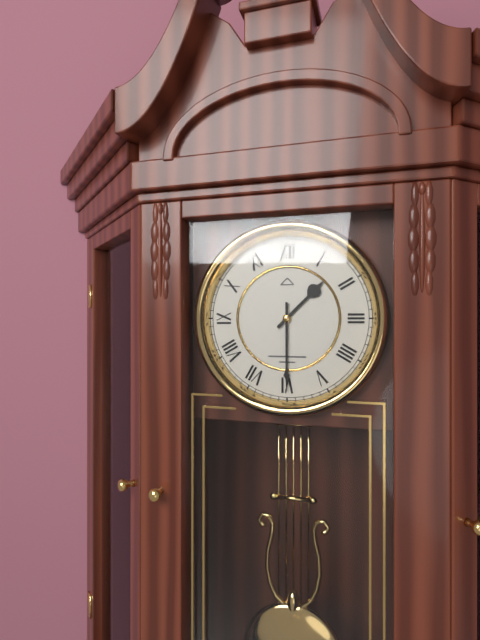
1h30
